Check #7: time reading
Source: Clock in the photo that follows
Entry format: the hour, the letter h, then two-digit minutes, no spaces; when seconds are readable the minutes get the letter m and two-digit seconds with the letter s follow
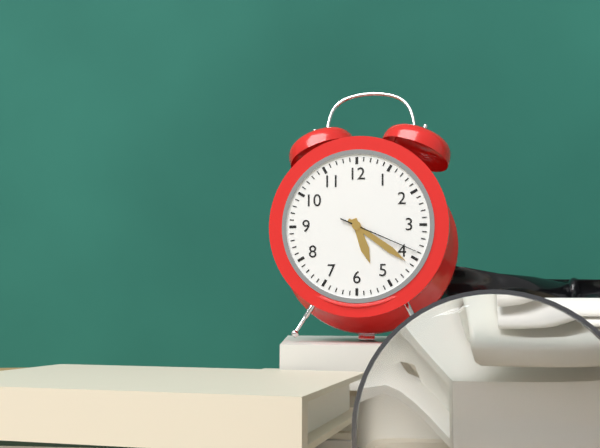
5h21m19s
